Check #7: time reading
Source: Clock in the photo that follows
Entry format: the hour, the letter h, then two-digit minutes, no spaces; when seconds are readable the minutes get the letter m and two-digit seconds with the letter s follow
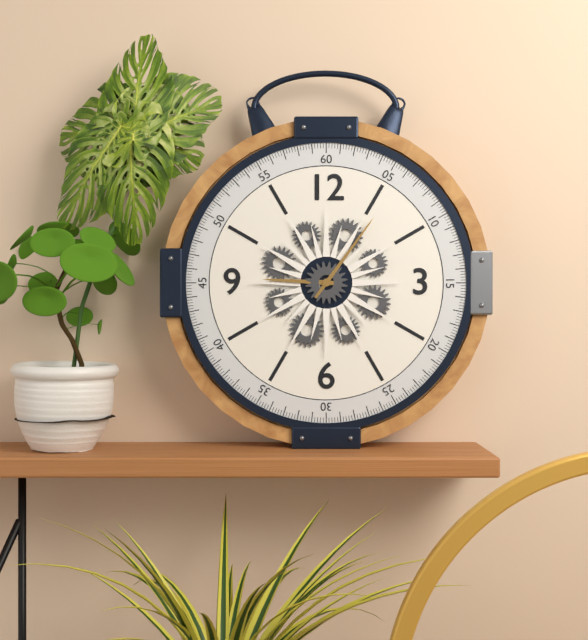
9h06
